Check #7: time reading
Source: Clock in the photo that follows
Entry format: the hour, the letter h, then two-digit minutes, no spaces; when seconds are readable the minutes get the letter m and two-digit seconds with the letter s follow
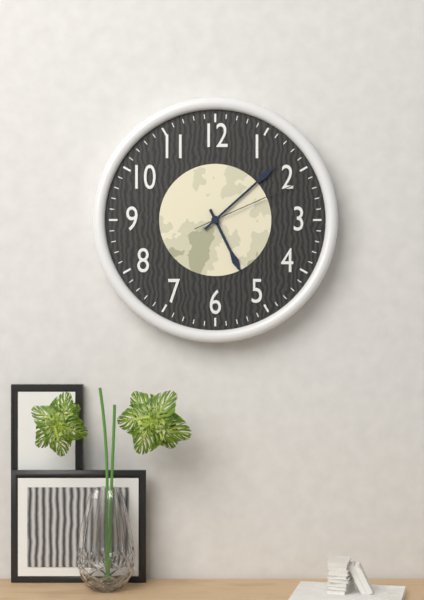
5h08m11s
